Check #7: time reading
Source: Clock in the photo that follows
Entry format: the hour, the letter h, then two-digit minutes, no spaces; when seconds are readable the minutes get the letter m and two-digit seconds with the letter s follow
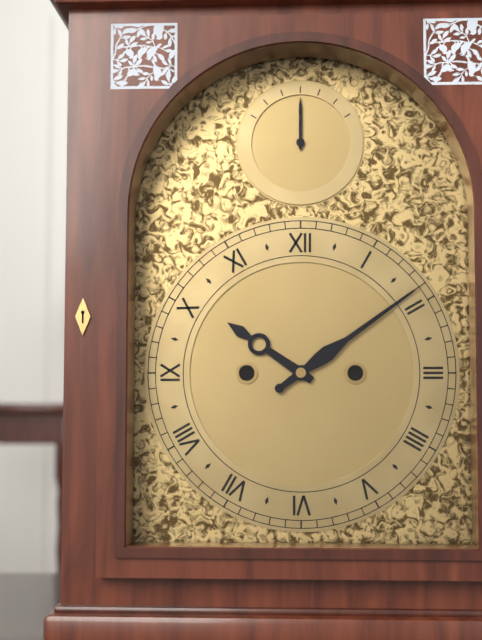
10h09
